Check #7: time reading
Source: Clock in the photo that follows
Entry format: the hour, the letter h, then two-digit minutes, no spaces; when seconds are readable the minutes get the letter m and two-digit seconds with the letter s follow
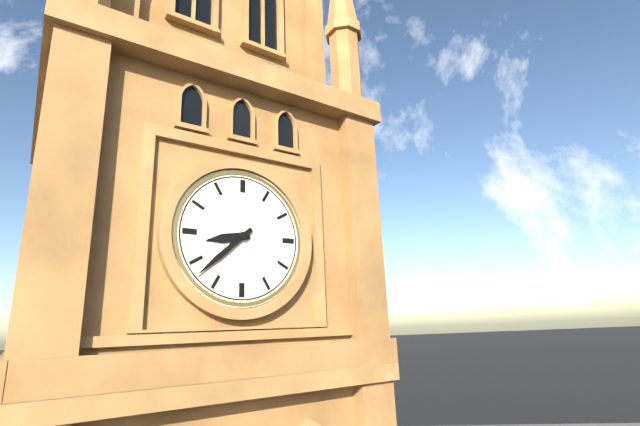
8h38
